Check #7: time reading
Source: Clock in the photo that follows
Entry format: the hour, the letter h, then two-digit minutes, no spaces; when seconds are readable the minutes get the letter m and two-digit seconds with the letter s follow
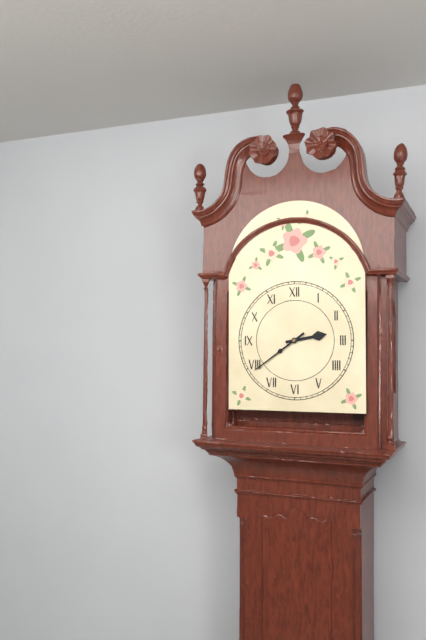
2h39
